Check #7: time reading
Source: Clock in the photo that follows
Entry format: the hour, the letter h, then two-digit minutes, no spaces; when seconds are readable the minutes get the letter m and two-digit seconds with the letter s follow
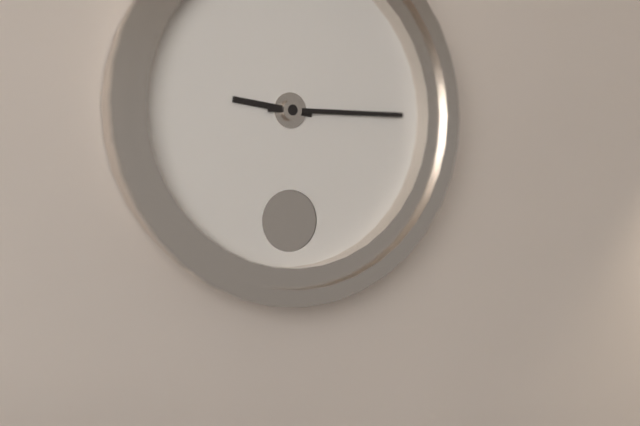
9h15
